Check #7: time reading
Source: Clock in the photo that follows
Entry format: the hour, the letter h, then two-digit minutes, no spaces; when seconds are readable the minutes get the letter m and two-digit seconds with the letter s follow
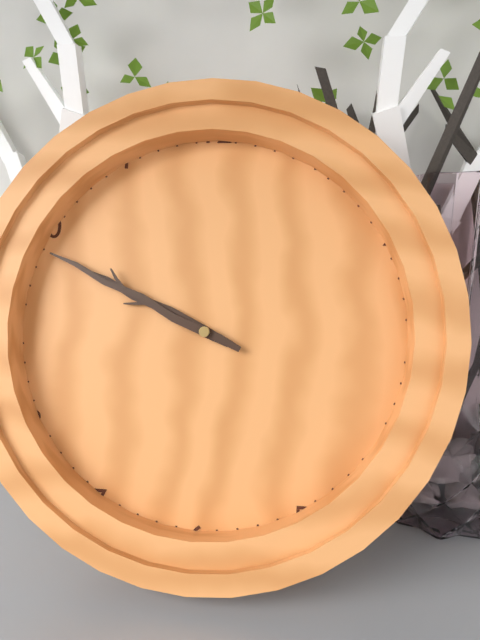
9h49
